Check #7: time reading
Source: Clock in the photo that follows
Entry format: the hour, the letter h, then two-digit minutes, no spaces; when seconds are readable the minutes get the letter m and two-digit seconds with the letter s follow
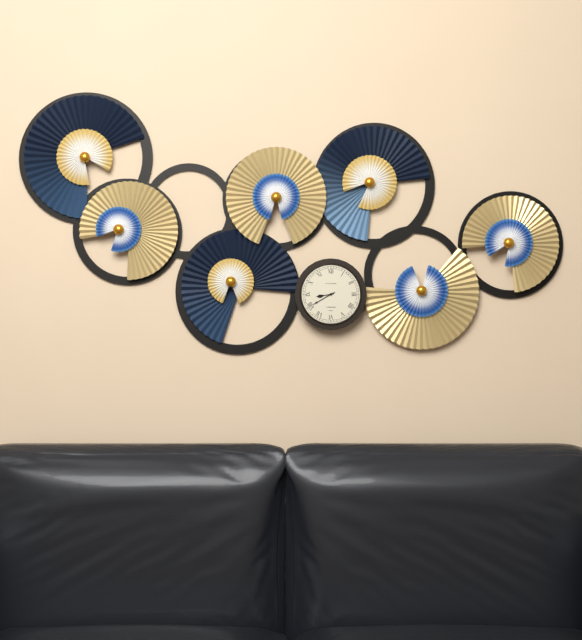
8h40
